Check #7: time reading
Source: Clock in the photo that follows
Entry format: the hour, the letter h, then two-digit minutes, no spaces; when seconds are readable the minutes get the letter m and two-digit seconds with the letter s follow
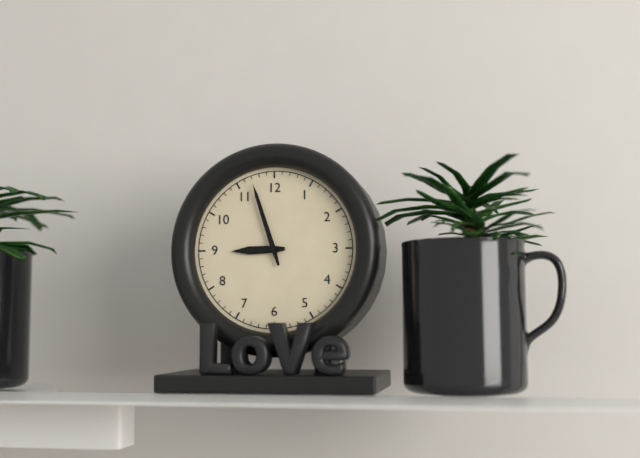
8h57
